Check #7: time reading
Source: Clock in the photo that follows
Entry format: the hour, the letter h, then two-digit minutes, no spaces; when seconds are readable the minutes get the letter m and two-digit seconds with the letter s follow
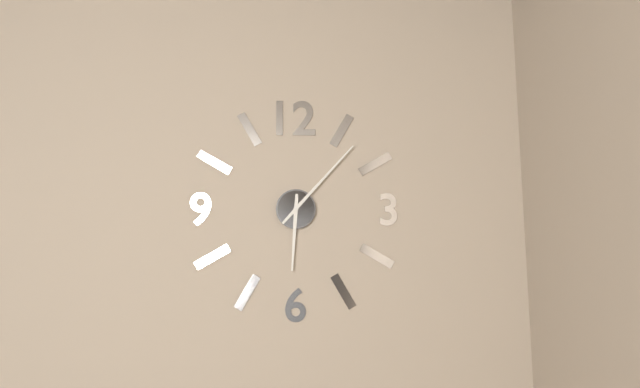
6h07
